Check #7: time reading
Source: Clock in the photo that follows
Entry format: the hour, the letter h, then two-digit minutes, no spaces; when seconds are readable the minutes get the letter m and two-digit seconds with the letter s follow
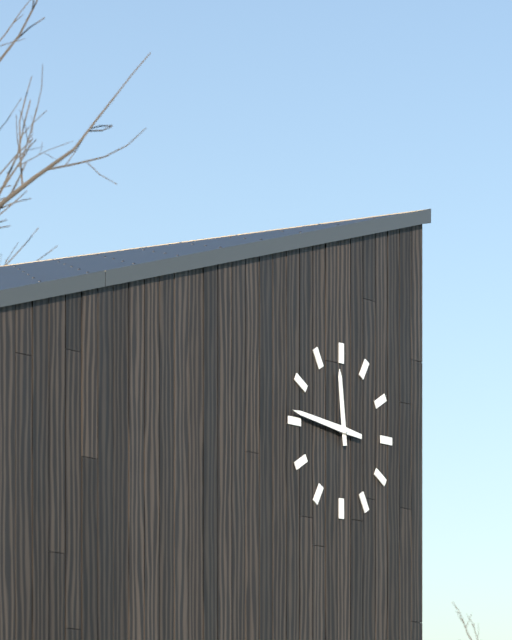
11h46
